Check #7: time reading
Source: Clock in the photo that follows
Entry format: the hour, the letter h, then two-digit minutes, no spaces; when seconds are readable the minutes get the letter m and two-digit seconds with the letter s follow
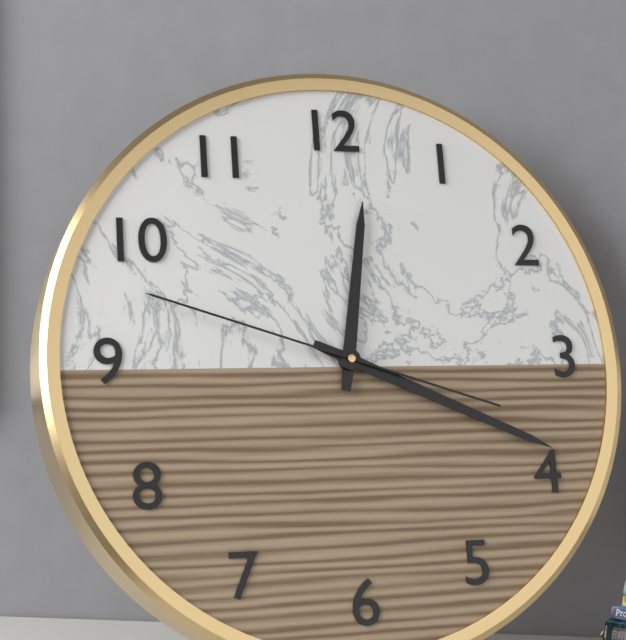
12h19m48s
